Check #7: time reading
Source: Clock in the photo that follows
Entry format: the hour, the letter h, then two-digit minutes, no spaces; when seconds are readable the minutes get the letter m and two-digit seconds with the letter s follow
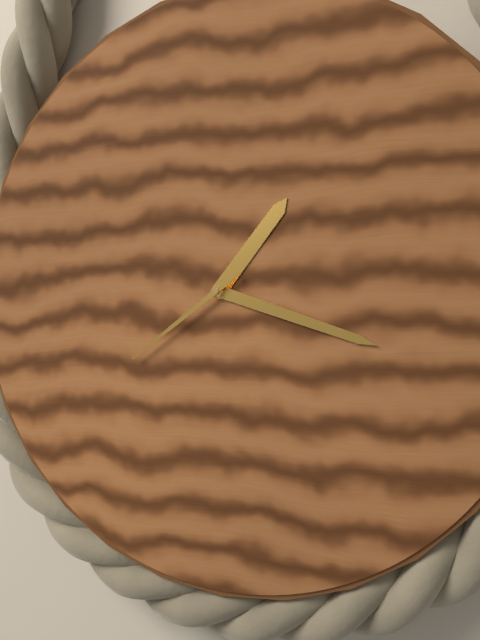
1h18m39s
